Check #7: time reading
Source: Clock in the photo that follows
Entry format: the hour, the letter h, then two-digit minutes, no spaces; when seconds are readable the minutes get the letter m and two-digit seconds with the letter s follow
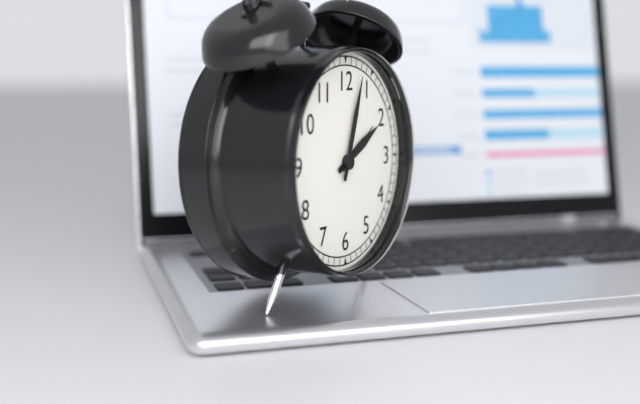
2h03m09s
